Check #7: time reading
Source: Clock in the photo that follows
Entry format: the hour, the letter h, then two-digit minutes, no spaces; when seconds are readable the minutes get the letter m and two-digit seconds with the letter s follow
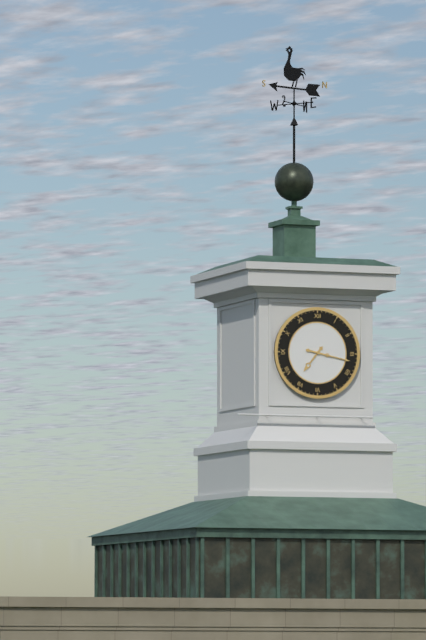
7h17
